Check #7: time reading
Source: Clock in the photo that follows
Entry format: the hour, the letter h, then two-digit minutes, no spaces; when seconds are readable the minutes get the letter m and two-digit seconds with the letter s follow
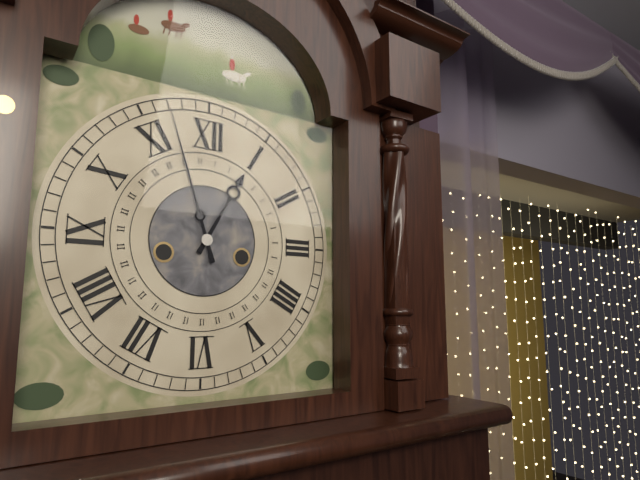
12h57
